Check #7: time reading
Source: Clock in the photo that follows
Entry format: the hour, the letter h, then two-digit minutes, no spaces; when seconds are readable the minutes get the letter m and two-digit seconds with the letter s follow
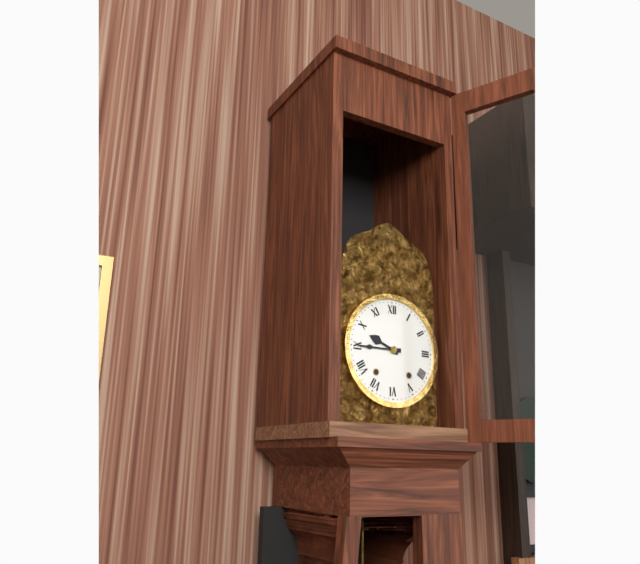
9h45
